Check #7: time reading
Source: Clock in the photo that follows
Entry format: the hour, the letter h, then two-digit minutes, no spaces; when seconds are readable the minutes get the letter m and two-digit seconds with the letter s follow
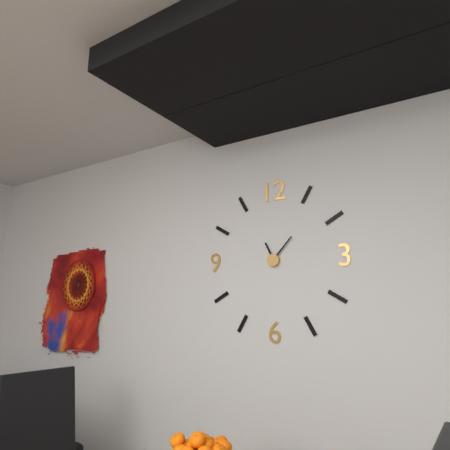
11h07
